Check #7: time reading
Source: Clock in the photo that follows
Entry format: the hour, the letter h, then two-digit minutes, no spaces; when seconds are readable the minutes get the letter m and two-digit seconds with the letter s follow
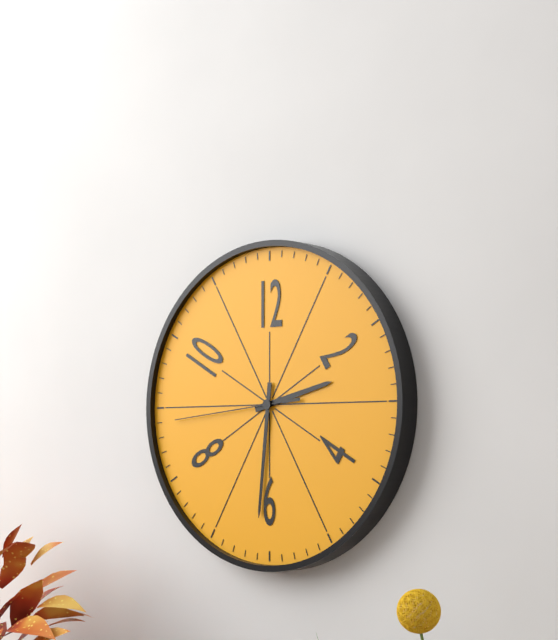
2h31m44s
